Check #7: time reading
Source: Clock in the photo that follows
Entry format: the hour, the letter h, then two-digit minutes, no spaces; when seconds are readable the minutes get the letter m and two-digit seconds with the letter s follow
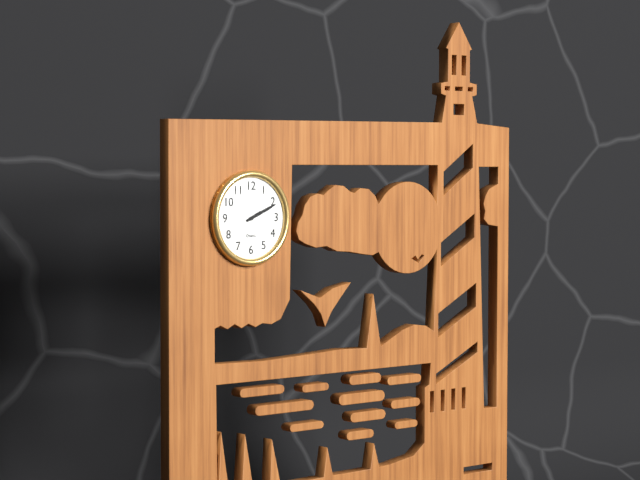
2h11
